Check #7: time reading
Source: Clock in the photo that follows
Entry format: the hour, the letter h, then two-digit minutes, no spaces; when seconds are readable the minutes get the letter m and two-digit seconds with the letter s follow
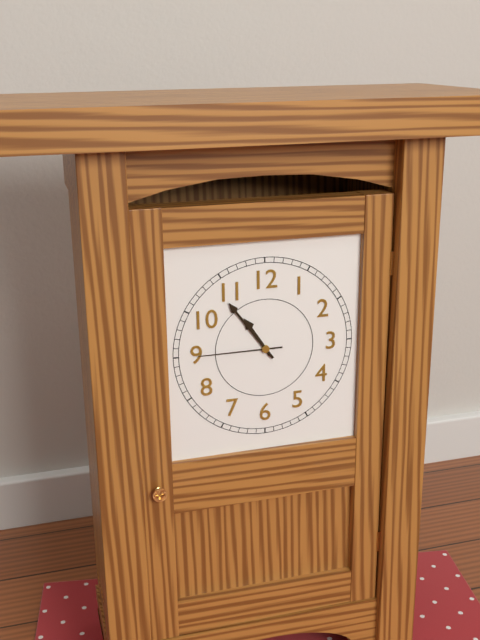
10h54m45s
